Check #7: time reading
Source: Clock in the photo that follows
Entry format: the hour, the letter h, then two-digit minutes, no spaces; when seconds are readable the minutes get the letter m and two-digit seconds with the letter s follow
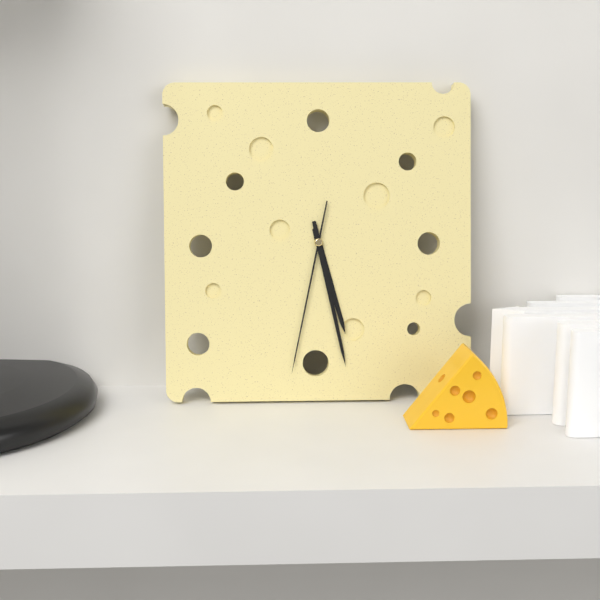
5h28m32s
